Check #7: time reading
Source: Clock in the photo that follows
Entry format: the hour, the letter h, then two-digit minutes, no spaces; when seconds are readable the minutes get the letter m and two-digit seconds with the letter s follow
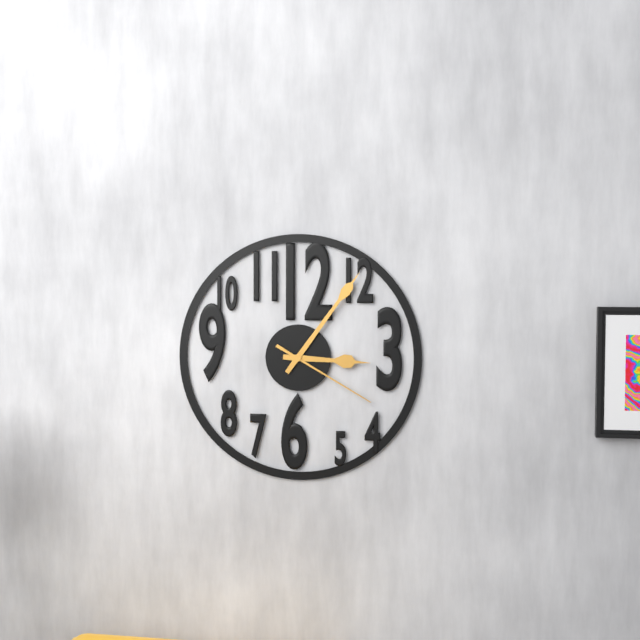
3h06m20s
